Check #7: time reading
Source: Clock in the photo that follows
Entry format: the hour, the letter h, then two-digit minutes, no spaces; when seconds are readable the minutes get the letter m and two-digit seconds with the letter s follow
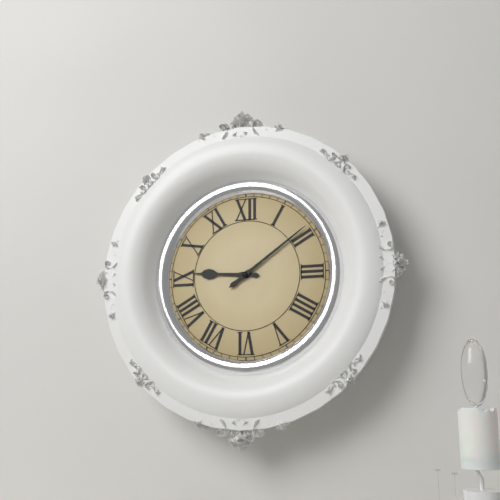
9h09
